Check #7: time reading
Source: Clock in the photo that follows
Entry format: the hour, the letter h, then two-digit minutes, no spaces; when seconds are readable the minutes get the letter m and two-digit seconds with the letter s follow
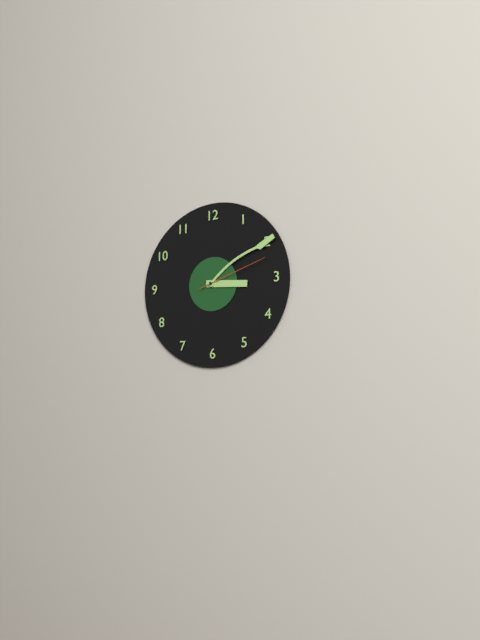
3h10m12s
